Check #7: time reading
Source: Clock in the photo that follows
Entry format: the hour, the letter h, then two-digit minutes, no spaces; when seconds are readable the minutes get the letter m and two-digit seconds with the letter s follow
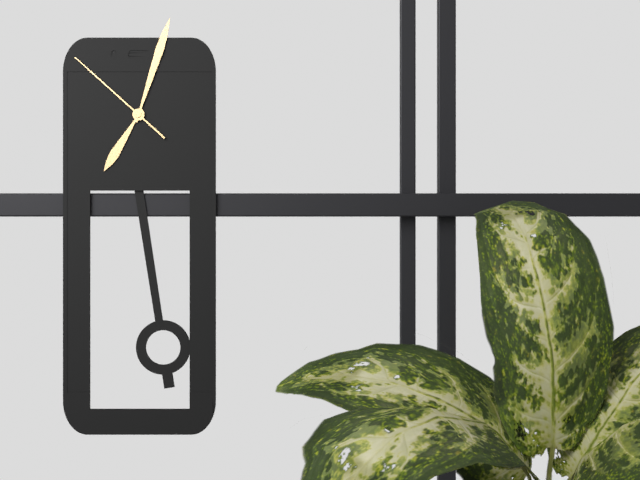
7h03m52s
